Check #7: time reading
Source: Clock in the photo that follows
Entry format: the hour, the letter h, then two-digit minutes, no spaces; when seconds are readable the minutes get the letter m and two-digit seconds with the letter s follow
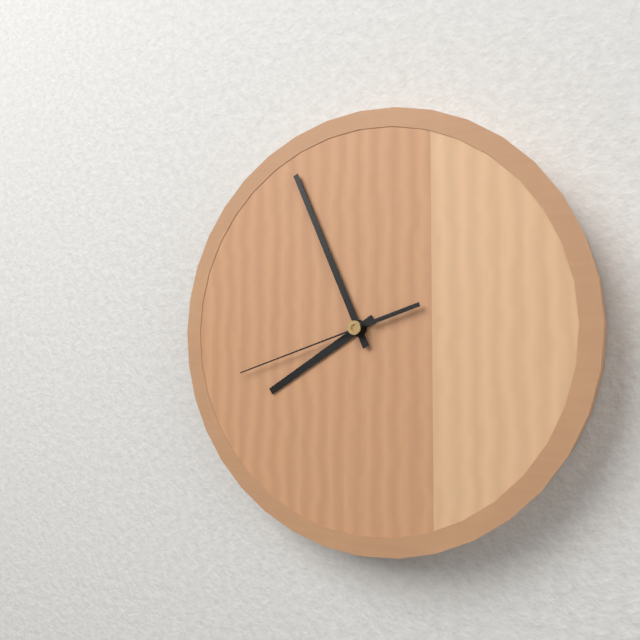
7h56m42s
